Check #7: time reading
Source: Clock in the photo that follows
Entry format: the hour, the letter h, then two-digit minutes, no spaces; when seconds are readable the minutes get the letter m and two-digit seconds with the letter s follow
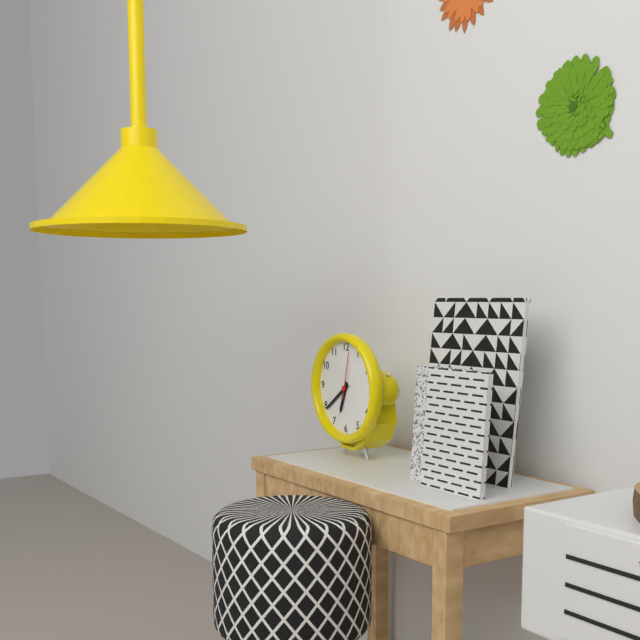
6h39
